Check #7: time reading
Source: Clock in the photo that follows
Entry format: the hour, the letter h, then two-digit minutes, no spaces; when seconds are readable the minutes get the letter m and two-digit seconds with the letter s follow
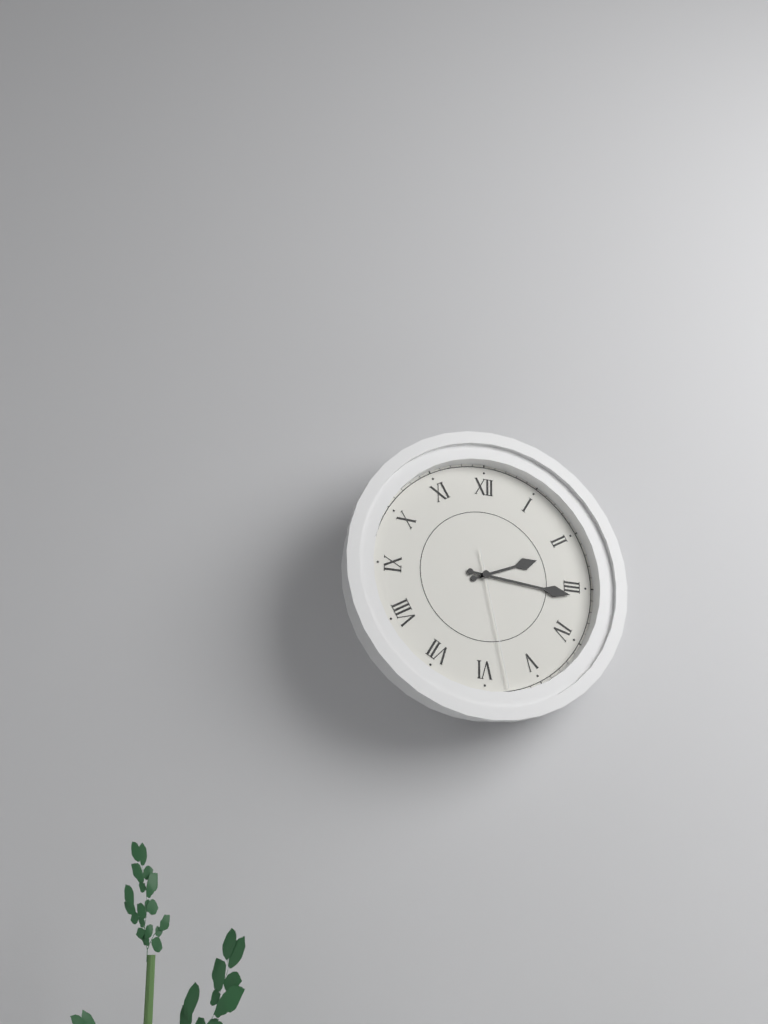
2h16m28s
